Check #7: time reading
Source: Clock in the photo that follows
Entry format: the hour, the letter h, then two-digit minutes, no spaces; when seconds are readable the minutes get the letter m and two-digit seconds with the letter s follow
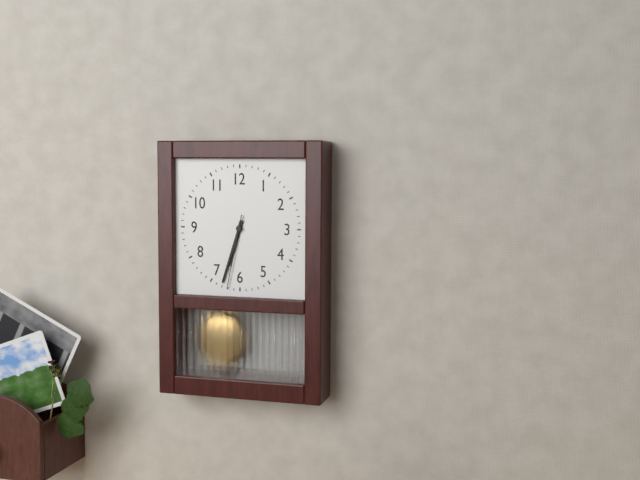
6h33m32s
